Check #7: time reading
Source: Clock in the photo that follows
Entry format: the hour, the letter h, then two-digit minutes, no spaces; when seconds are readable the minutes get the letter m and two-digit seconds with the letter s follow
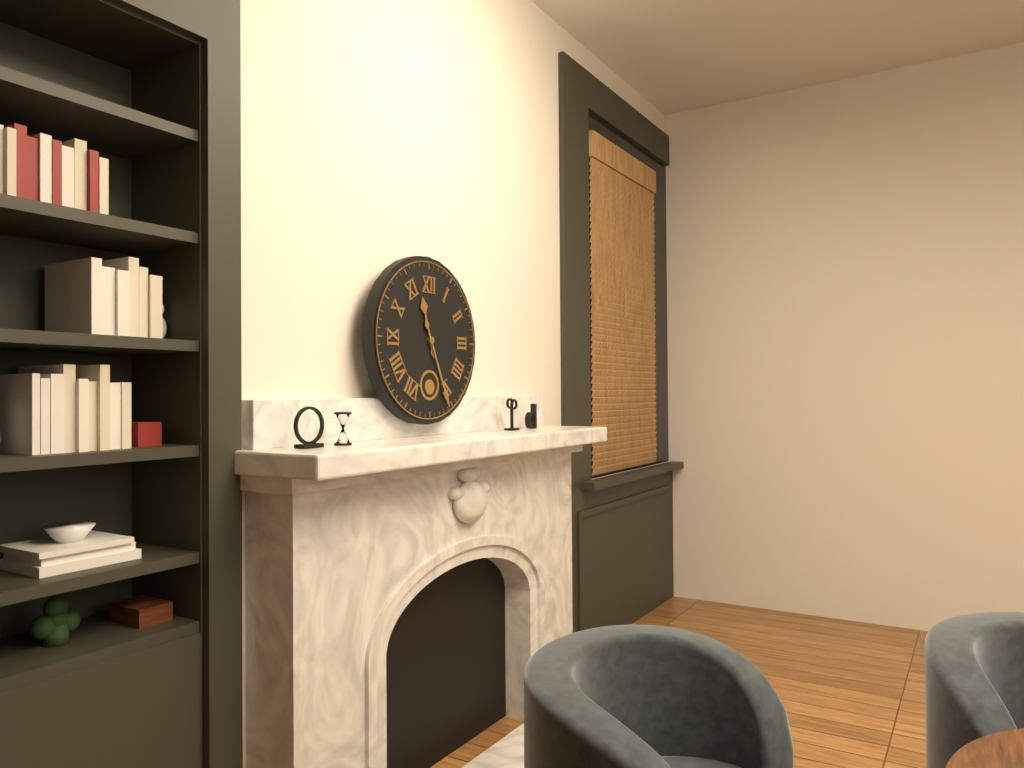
11h26
